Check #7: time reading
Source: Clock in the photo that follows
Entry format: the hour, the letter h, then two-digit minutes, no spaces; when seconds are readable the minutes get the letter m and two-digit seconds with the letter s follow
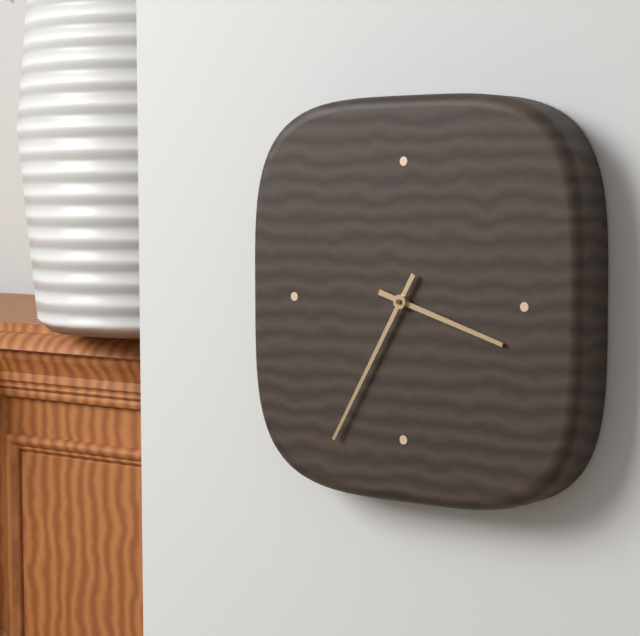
3h35
